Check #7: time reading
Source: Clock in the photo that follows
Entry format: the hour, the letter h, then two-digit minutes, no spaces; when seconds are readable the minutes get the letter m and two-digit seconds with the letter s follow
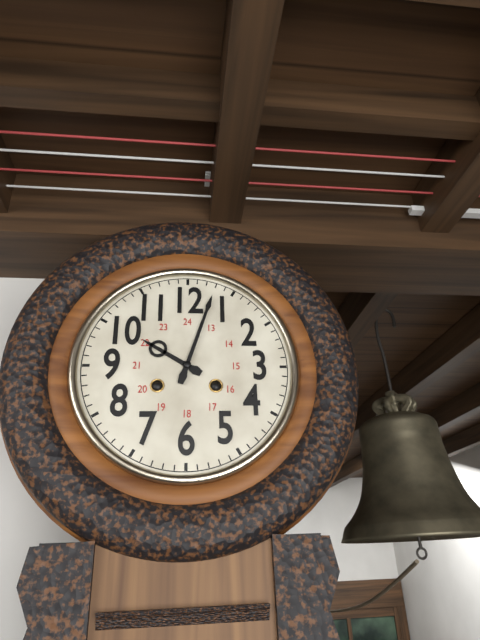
10h03
